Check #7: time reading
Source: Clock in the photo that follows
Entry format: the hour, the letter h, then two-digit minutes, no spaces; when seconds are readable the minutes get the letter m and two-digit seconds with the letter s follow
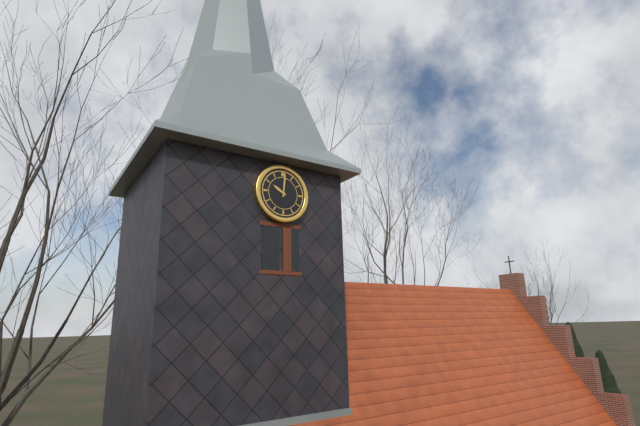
10h01
